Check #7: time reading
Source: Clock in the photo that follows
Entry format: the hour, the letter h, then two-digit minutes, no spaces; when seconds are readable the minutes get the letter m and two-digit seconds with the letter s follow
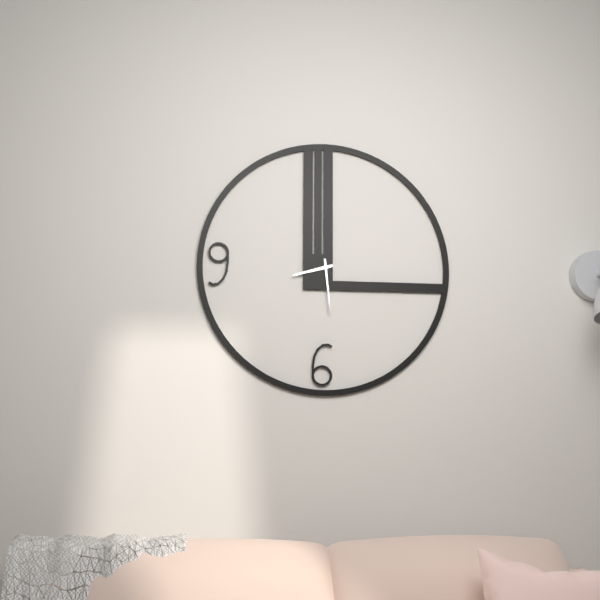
8h29
